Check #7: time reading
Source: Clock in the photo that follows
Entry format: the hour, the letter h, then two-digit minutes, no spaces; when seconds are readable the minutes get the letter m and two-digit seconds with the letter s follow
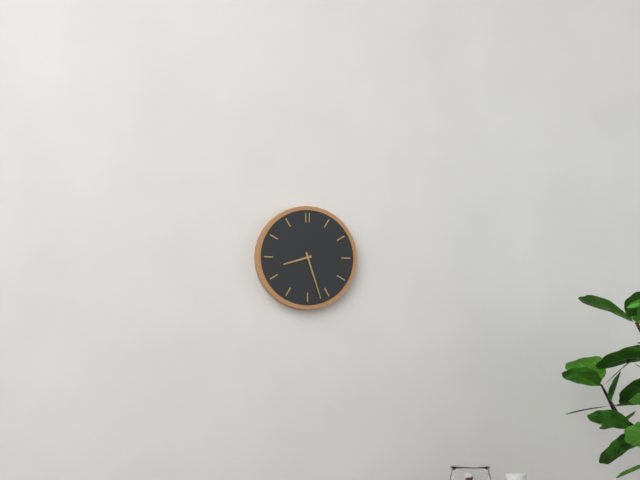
8h27
